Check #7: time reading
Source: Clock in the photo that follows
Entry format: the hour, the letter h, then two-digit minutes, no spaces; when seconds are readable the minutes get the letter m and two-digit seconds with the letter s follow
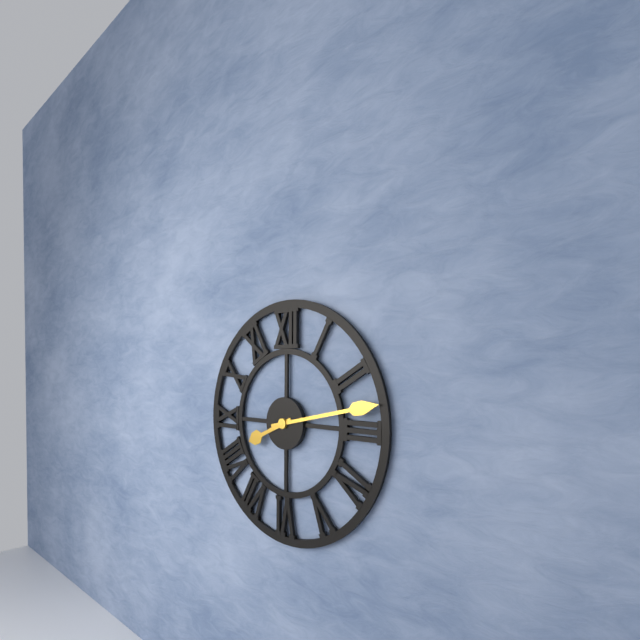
8h13
